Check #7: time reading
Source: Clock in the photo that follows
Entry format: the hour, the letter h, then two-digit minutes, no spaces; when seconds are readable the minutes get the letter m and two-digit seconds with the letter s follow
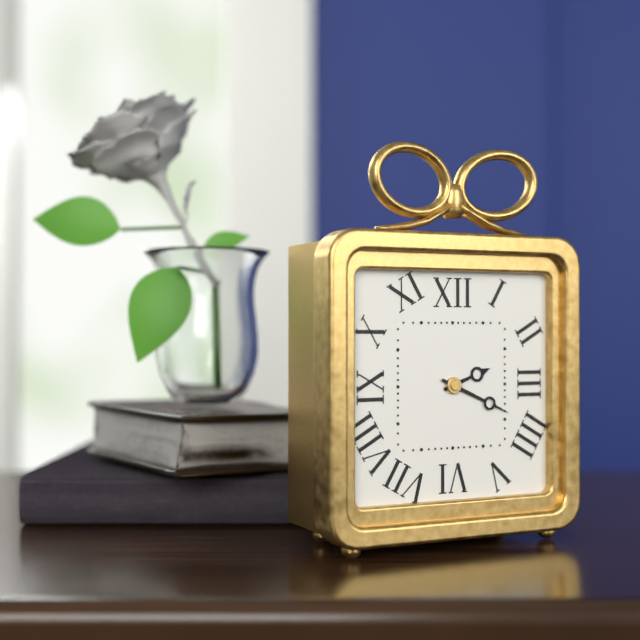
2h19
